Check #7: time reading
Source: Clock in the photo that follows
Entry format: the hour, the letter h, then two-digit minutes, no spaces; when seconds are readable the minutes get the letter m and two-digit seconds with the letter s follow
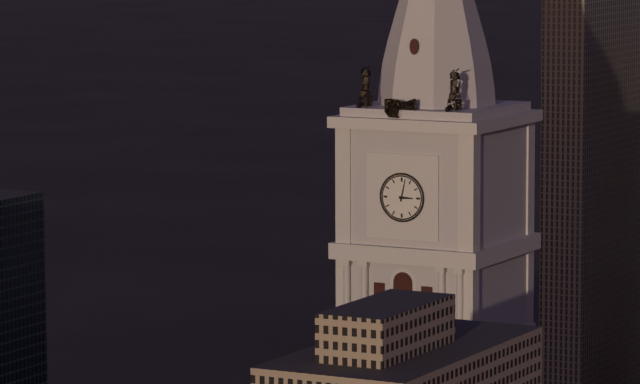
3h02
